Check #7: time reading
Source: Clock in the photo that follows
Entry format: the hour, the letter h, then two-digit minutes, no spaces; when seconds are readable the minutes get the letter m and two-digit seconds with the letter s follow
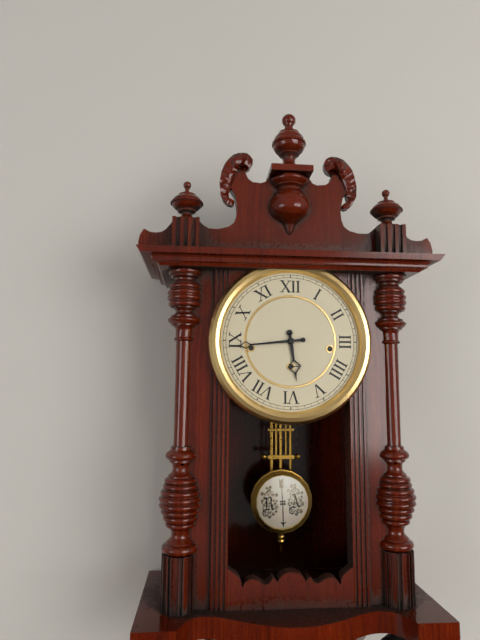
5h44
